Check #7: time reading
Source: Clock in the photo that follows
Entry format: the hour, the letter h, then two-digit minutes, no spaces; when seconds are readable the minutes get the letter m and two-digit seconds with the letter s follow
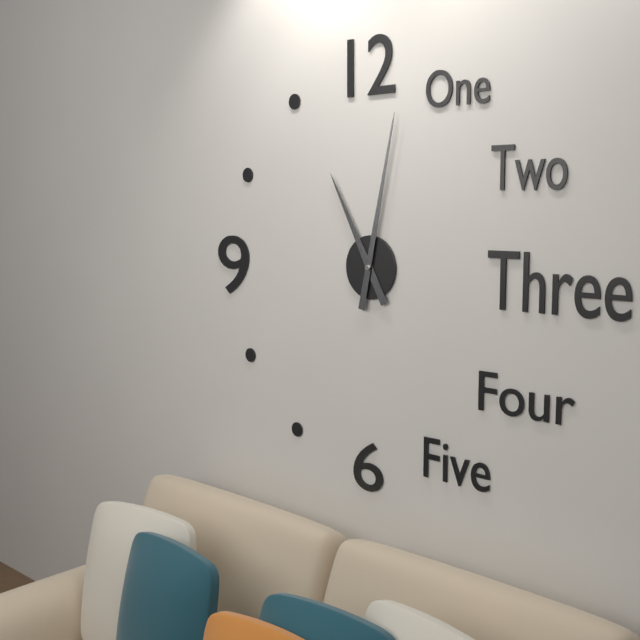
11h02
